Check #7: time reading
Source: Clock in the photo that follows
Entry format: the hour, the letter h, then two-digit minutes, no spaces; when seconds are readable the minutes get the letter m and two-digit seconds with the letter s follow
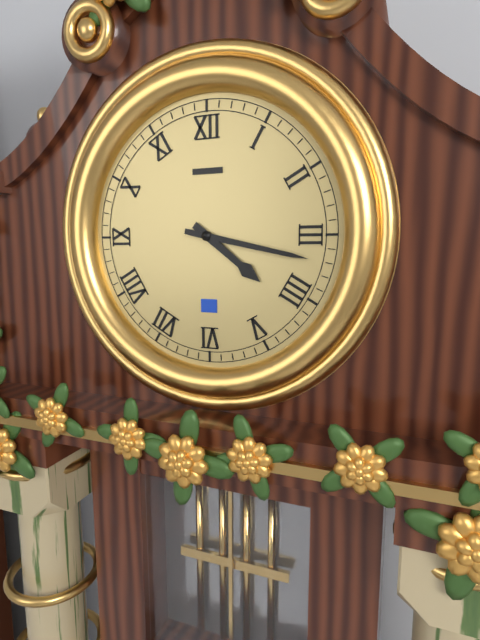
4h17
